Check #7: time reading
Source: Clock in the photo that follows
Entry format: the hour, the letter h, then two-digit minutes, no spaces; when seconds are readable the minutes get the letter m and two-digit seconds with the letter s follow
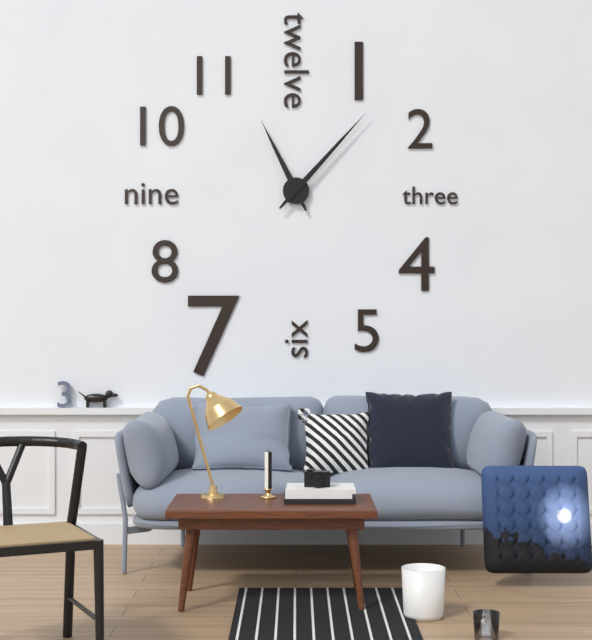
11h07
